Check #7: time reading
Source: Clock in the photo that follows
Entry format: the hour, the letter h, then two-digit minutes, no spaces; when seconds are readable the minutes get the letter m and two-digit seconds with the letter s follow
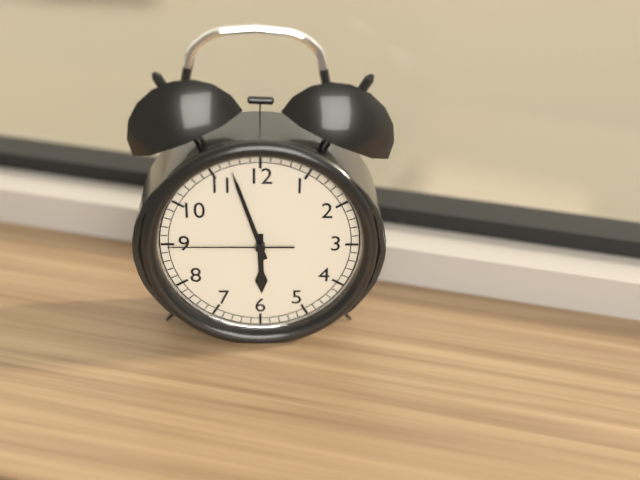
5h57m45s
